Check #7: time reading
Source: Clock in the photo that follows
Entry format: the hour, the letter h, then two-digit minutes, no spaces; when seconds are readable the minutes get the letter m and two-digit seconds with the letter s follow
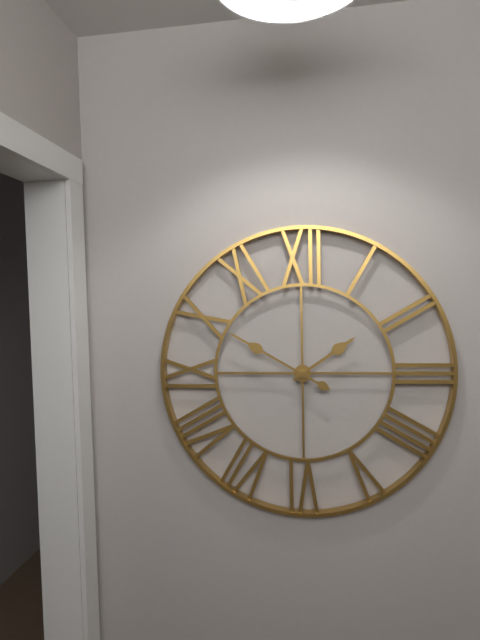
1h50
